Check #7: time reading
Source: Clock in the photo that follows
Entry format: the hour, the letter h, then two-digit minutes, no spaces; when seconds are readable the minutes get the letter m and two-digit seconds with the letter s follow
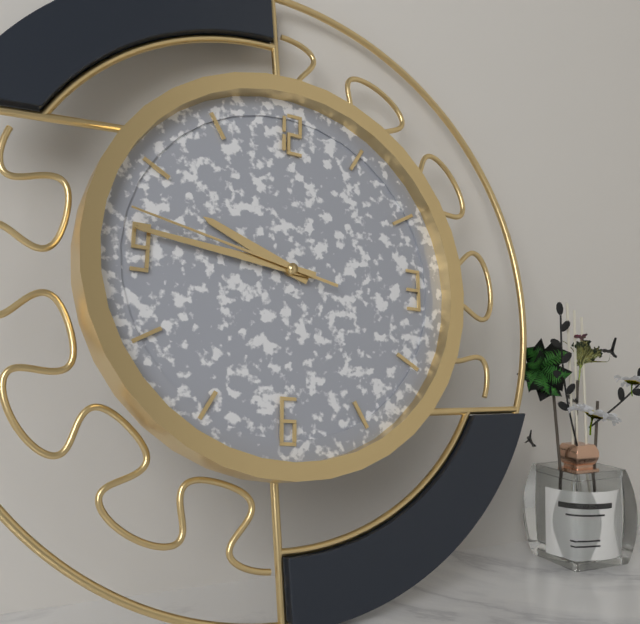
9h46m47s
